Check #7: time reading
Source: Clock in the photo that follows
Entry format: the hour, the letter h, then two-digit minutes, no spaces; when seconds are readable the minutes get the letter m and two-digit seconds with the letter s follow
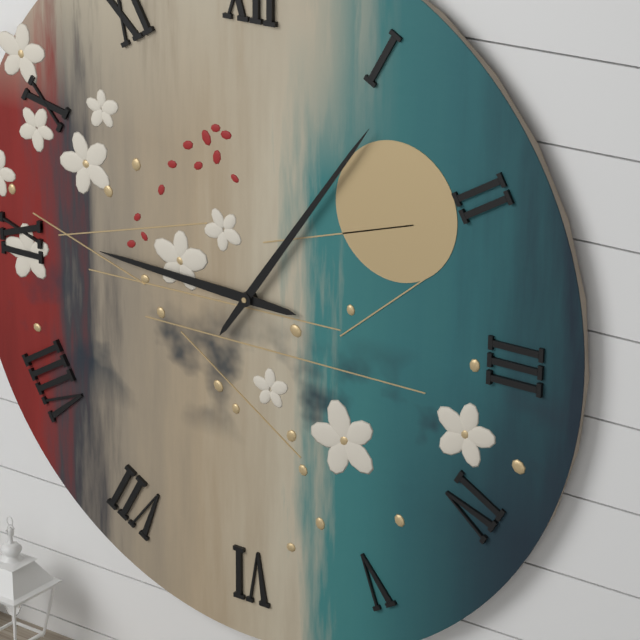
9h06
